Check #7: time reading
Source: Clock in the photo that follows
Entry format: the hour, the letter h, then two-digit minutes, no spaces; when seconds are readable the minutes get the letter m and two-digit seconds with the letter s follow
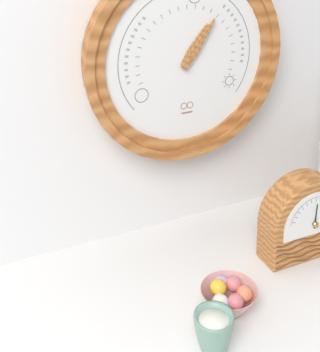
1h06
